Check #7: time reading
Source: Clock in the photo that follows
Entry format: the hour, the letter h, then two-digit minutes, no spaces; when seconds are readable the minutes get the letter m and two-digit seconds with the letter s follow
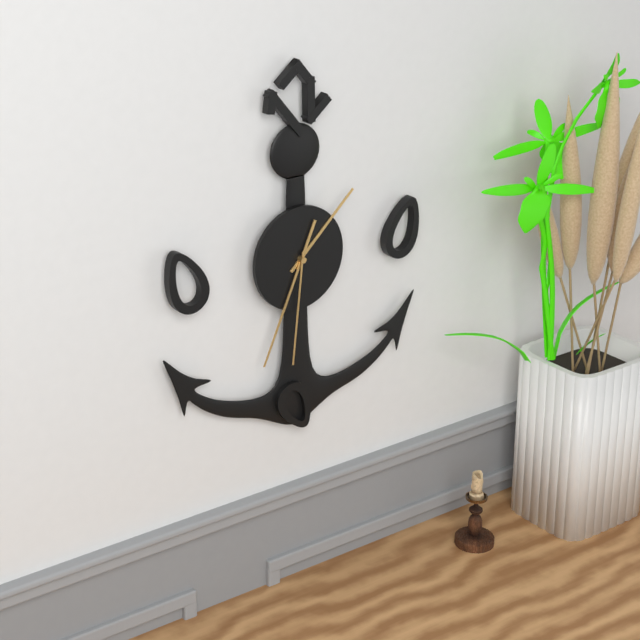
1h34m31s
